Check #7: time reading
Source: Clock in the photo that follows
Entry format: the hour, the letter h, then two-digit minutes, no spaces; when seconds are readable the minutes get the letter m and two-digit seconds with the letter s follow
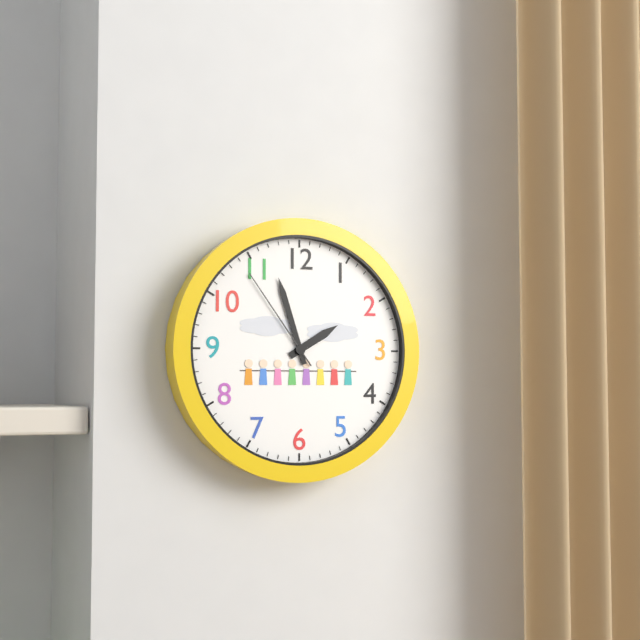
1h57m54s
